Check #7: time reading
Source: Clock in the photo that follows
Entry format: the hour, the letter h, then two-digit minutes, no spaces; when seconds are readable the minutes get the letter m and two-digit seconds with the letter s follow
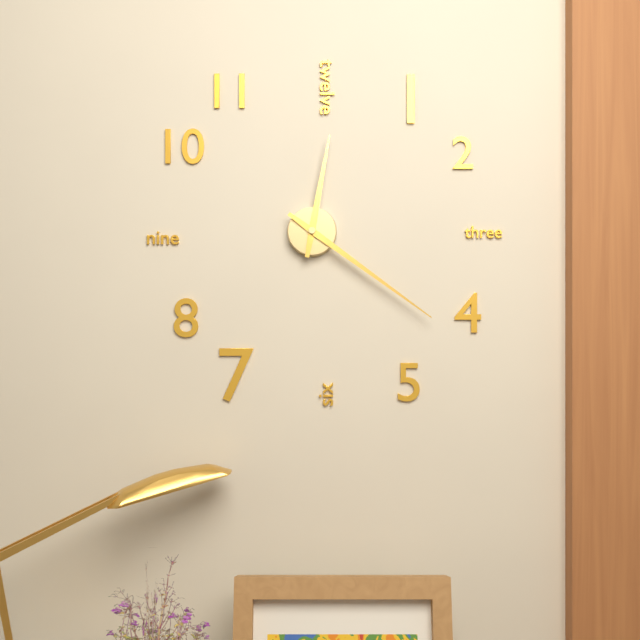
12h21
